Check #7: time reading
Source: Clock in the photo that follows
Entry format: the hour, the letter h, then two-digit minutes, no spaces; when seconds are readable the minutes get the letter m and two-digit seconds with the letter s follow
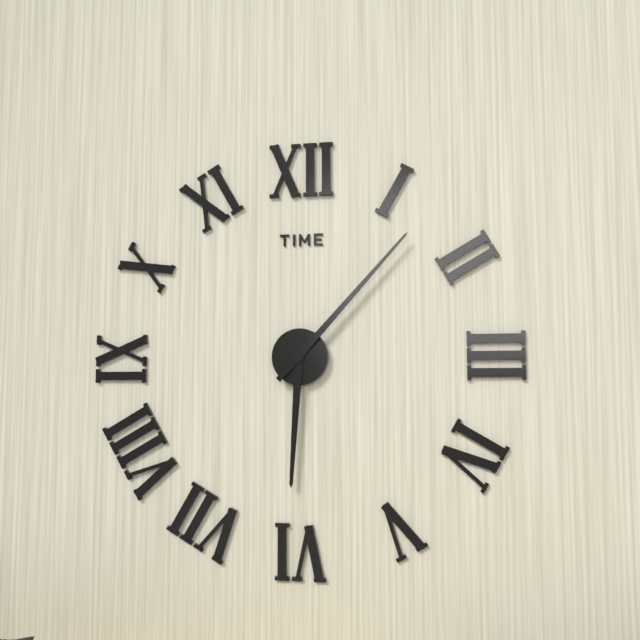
6h07
